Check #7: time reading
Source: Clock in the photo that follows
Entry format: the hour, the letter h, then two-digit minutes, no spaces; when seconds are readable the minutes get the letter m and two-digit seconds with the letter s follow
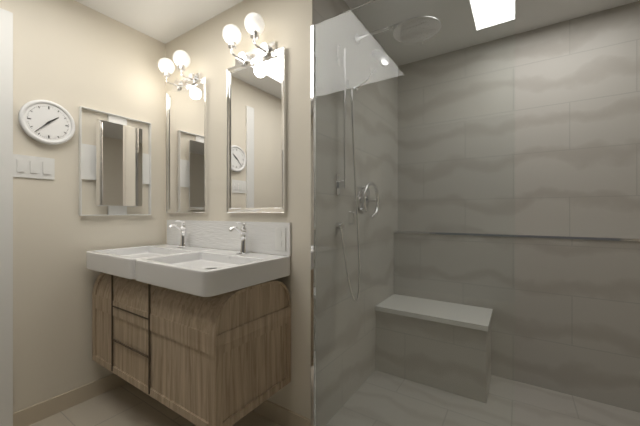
1h37
